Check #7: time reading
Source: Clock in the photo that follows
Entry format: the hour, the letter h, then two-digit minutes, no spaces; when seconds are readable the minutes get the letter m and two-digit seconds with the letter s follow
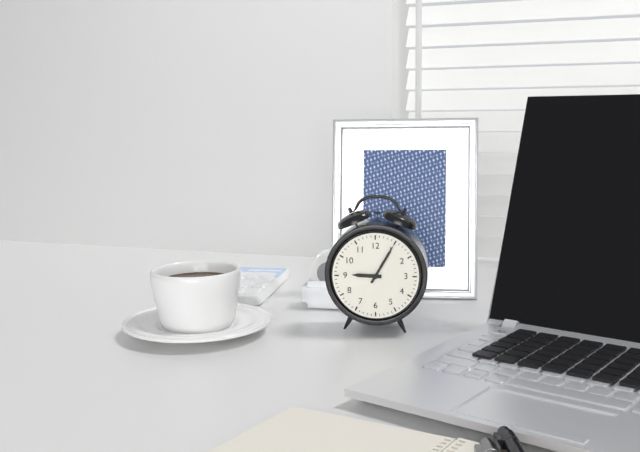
9h05
